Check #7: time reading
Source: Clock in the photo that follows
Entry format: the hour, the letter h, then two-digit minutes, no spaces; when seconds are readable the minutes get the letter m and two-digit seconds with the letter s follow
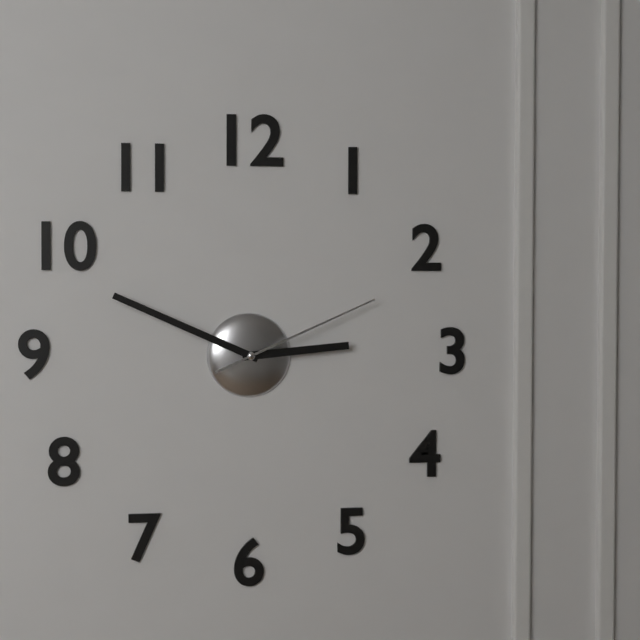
2h49m11s
